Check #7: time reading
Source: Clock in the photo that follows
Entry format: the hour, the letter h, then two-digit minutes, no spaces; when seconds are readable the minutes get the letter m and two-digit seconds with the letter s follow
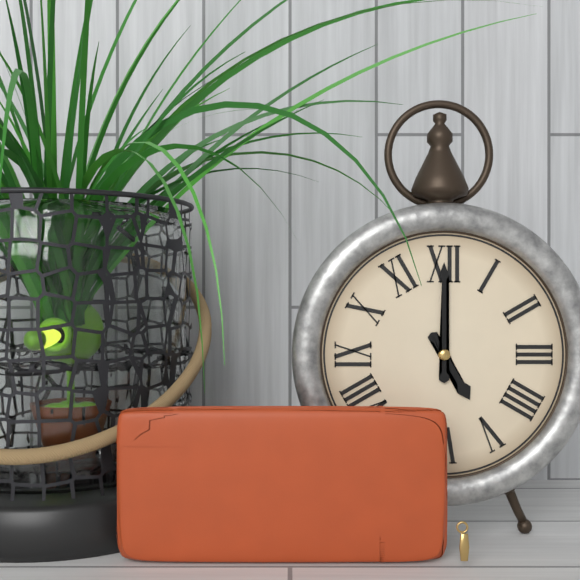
5h00
